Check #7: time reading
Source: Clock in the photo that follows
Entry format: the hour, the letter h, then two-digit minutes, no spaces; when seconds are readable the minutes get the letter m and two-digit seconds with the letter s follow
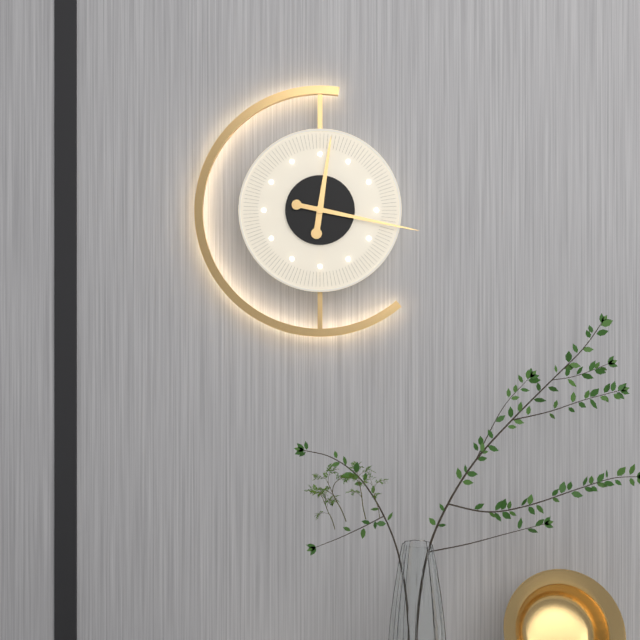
12h17
